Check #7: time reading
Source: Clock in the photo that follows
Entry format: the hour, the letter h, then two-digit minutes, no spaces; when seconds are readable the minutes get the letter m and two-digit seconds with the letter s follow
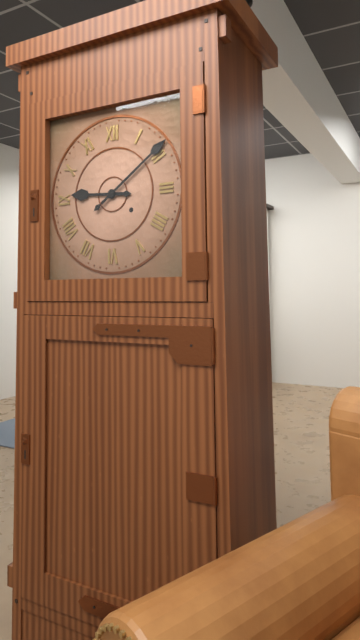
9h09
